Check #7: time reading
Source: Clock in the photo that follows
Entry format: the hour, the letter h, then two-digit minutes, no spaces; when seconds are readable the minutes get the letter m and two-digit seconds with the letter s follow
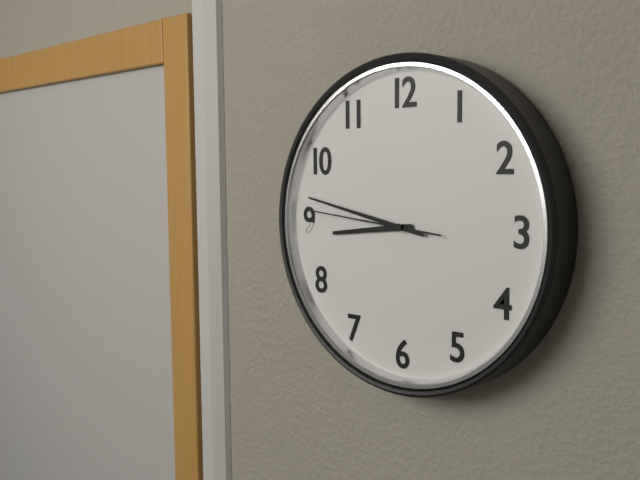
8h47m46s
